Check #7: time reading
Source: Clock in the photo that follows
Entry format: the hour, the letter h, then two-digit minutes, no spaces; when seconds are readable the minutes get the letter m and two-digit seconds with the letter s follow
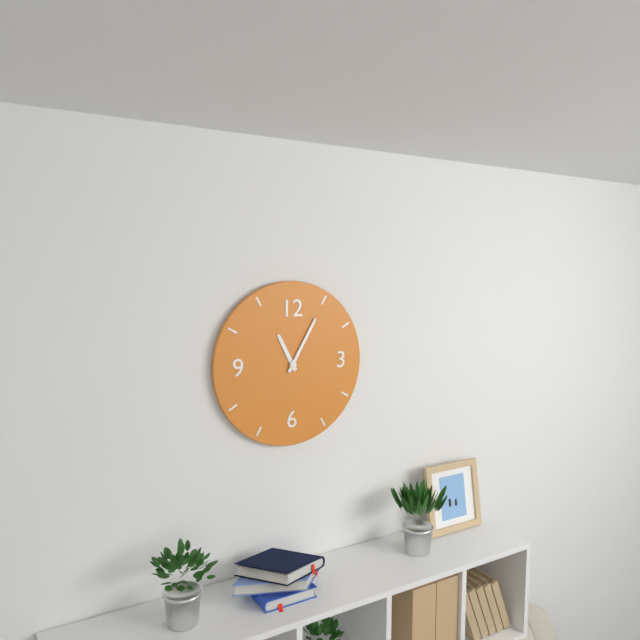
11h05
